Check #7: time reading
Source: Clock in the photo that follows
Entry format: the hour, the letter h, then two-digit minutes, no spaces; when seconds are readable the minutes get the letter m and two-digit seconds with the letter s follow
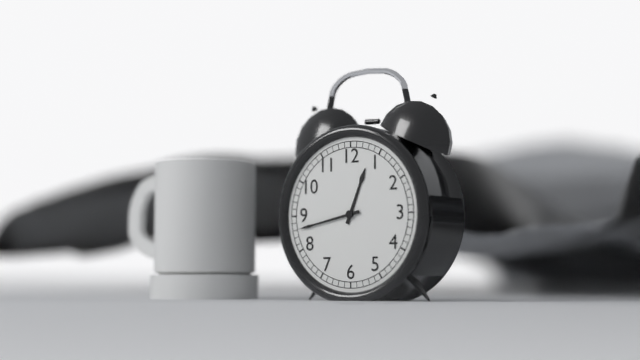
12h43
